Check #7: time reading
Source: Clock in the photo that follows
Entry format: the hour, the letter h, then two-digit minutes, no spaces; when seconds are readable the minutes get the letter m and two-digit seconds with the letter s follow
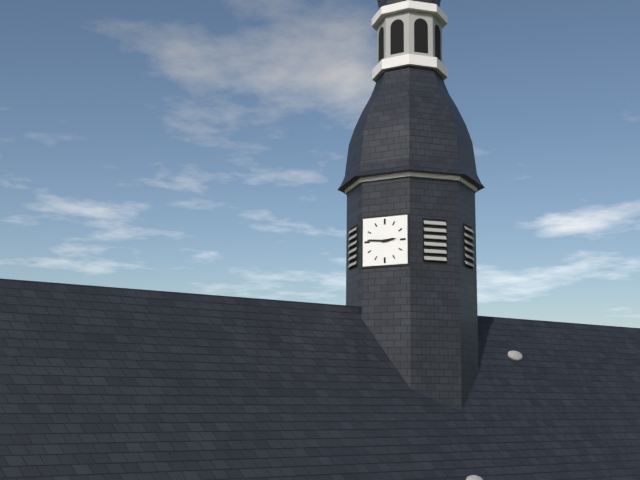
2h46
